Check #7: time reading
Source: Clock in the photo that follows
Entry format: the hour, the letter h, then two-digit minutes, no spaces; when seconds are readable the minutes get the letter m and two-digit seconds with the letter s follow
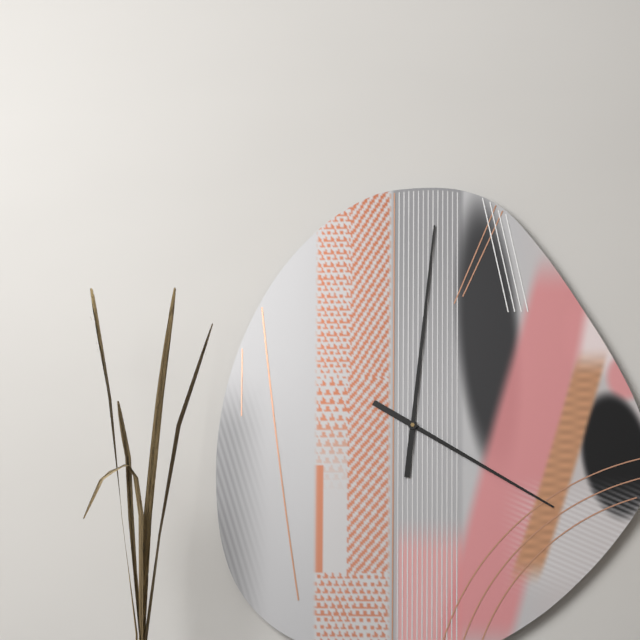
4h01
